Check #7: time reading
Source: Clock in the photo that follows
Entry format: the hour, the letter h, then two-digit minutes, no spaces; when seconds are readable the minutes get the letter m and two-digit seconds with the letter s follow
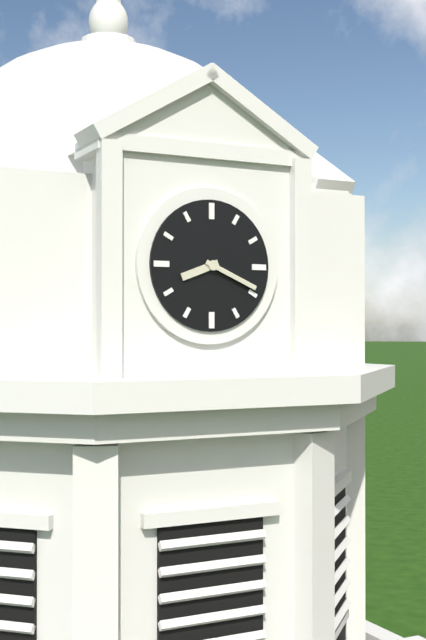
8h19
